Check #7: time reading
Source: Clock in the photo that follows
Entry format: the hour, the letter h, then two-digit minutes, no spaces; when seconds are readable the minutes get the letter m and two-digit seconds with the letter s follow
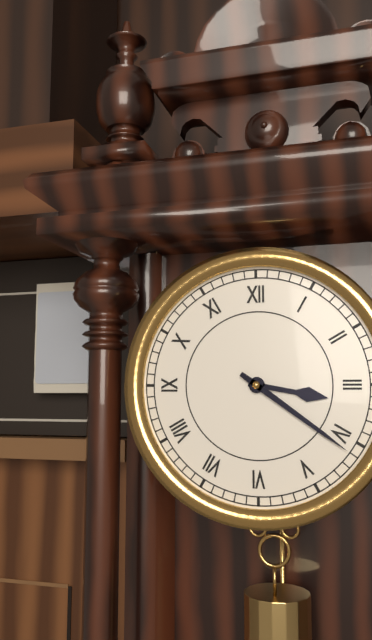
3h21
